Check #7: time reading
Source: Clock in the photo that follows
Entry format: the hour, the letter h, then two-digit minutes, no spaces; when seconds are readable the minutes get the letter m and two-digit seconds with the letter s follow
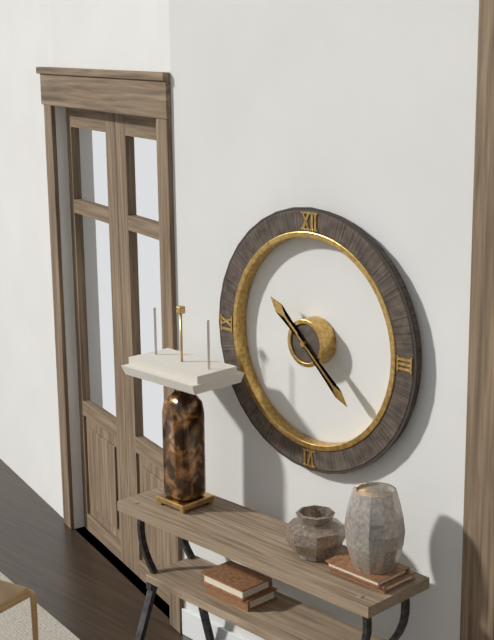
10h22
